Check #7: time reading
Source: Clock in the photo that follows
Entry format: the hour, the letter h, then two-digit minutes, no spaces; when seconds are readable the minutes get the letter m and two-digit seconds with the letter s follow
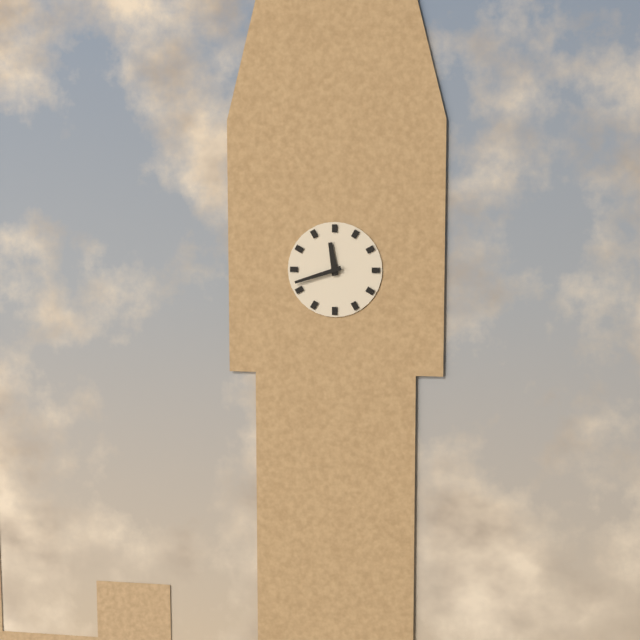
11h42
